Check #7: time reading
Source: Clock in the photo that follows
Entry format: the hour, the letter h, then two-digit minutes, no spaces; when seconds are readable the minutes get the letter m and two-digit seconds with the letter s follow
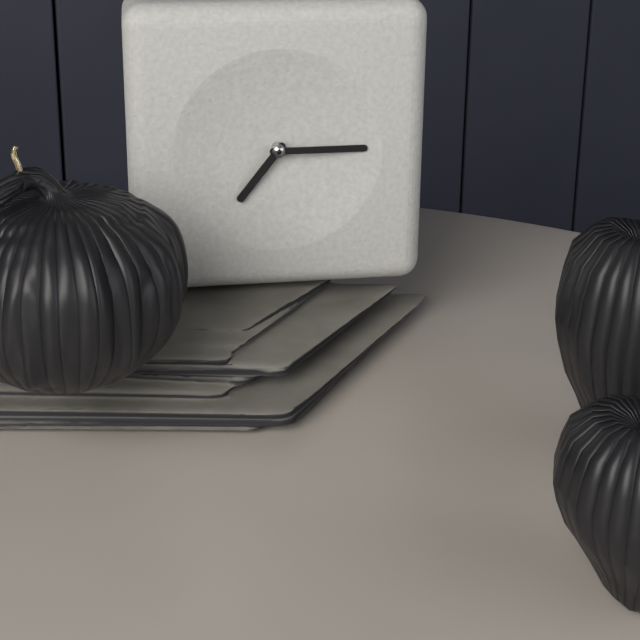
7h15
